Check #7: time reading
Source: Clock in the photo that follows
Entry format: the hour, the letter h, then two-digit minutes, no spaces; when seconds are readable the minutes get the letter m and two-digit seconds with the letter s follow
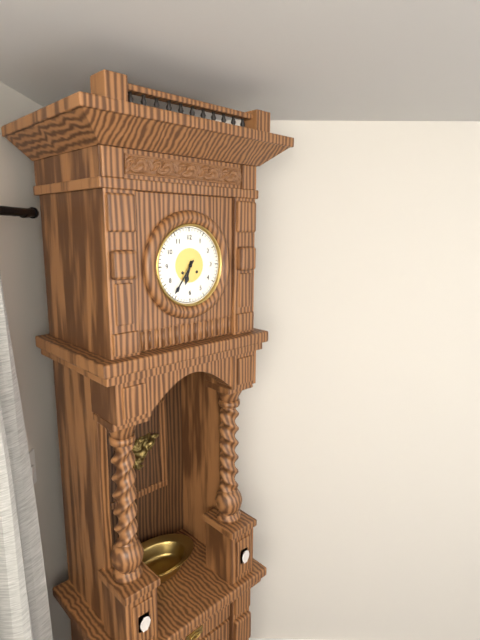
6h36
